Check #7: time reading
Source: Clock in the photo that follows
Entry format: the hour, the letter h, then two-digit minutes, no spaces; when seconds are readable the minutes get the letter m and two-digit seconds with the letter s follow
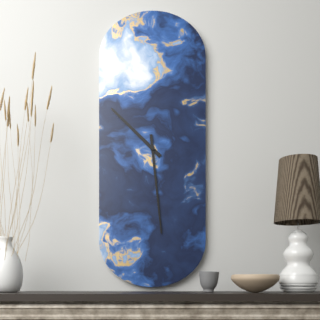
10h29
